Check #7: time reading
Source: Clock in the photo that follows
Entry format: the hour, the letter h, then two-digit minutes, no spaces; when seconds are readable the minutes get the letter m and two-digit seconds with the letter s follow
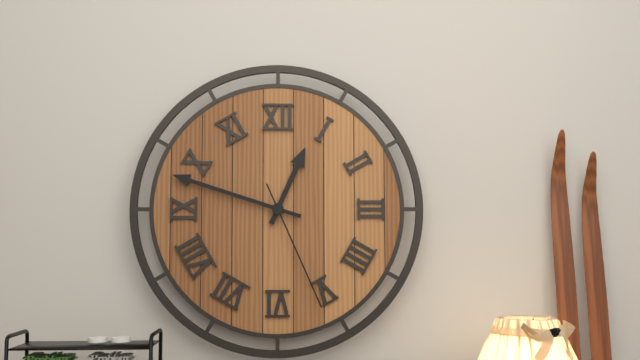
12h48m26s
